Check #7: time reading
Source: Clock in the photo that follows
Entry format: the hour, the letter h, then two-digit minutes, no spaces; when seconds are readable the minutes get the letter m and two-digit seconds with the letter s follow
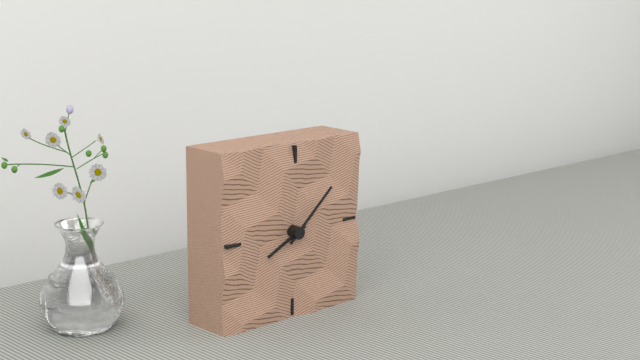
8h08
